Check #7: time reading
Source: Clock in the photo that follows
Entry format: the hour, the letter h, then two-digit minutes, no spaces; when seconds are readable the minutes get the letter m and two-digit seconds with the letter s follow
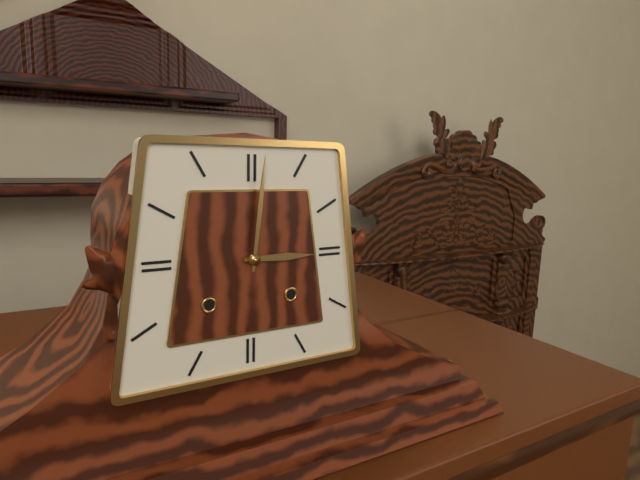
3h01
